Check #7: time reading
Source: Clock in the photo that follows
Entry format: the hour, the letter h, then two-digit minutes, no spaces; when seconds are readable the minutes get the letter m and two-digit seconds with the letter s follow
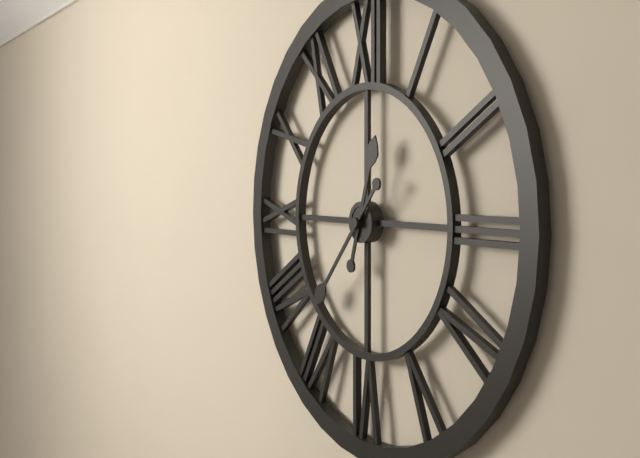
12h37
